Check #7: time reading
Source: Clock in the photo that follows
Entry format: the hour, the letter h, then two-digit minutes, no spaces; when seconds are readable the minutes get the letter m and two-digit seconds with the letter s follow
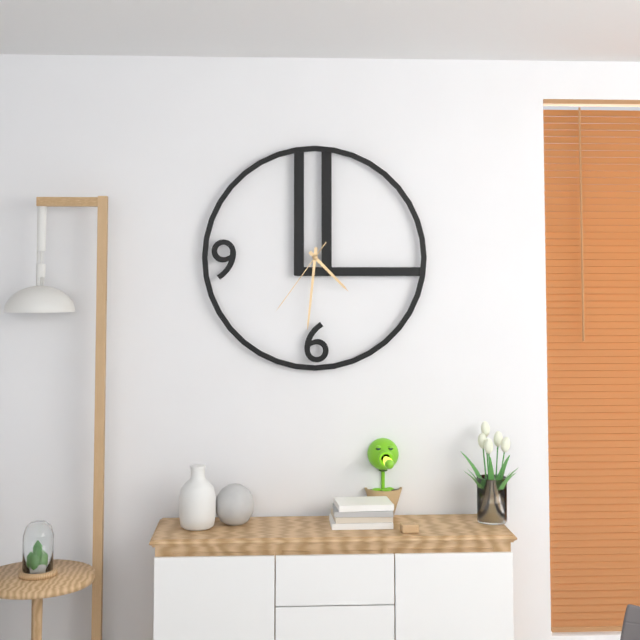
4h31m36s
